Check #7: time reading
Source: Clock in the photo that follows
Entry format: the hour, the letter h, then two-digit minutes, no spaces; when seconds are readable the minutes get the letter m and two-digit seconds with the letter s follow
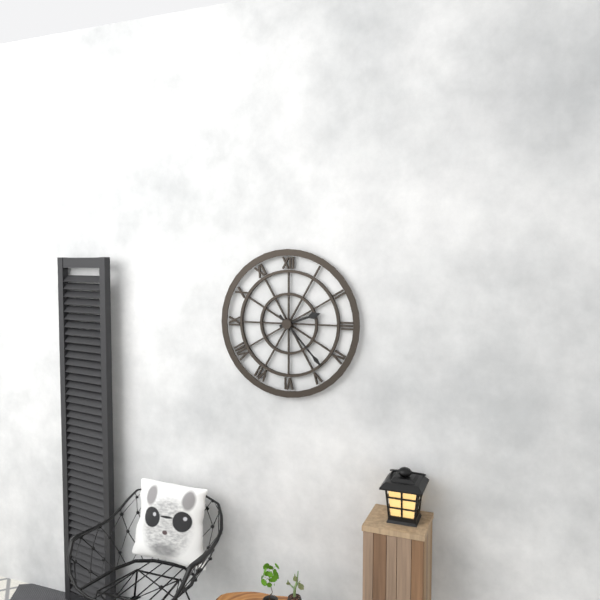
2h23
